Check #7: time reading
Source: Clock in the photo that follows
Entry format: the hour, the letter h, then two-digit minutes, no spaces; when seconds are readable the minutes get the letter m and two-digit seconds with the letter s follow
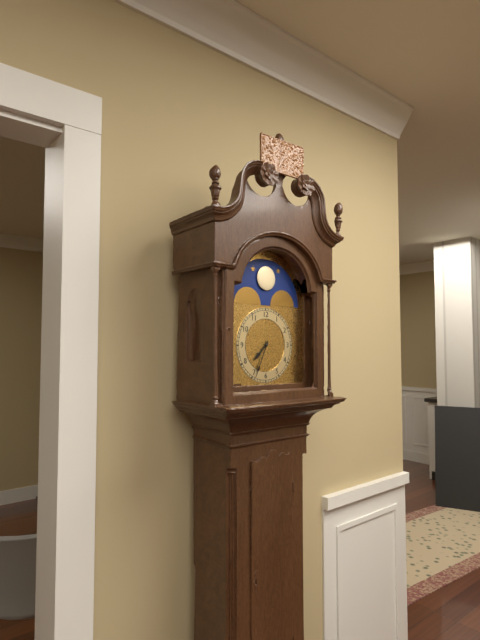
7h34
